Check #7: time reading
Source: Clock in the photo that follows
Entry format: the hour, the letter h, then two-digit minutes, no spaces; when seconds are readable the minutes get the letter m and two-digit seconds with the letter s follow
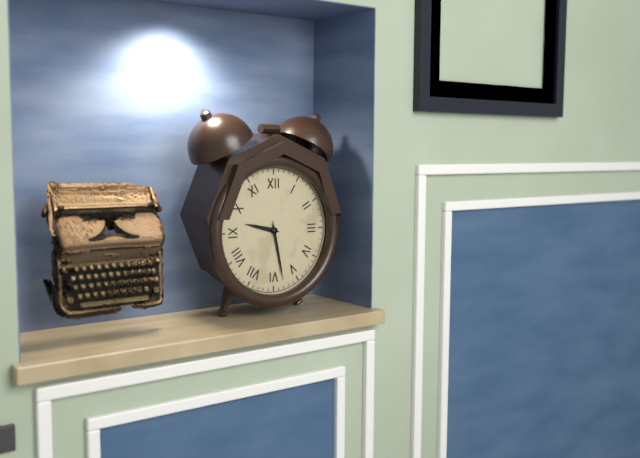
9h28
